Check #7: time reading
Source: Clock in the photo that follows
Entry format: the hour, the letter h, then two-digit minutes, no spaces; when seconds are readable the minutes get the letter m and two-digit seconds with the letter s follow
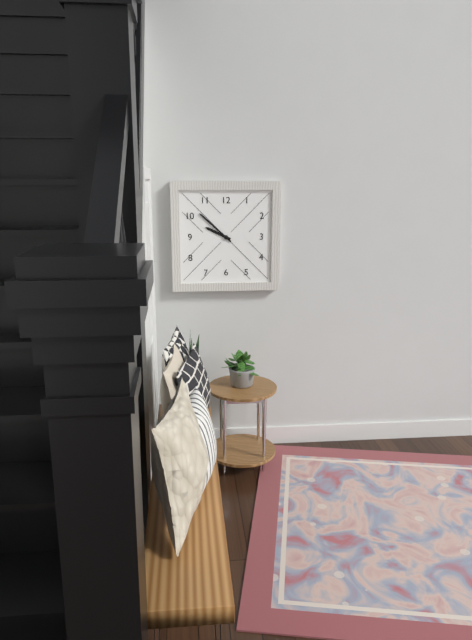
9h52
